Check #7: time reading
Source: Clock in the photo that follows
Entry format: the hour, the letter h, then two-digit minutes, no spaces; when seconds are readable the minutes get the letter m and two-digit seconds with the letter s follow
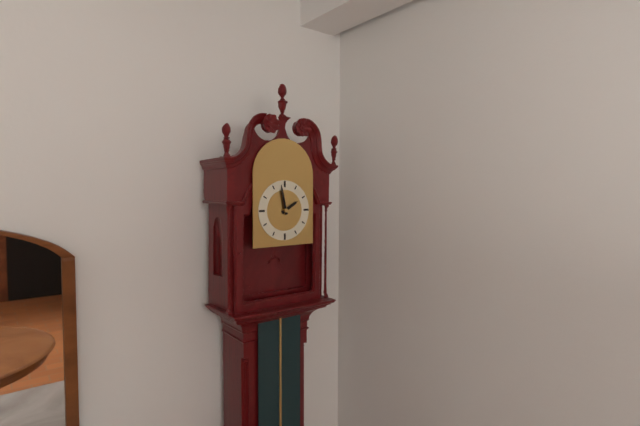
1h58
